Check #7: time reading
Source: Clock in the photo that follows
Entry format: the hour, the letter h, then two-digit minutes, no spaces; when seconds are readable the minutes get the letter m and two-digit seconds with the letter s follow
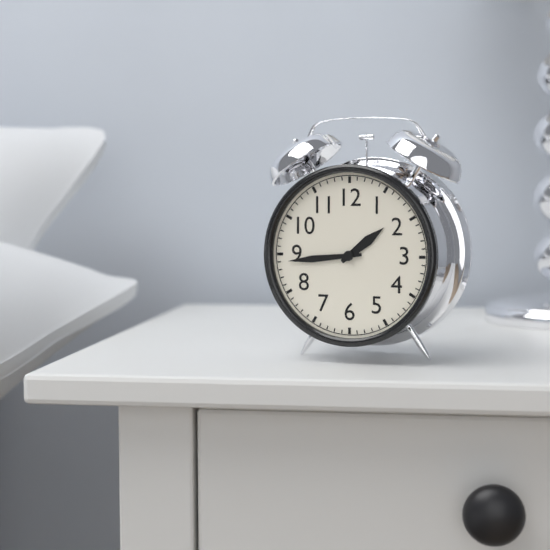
1h44
